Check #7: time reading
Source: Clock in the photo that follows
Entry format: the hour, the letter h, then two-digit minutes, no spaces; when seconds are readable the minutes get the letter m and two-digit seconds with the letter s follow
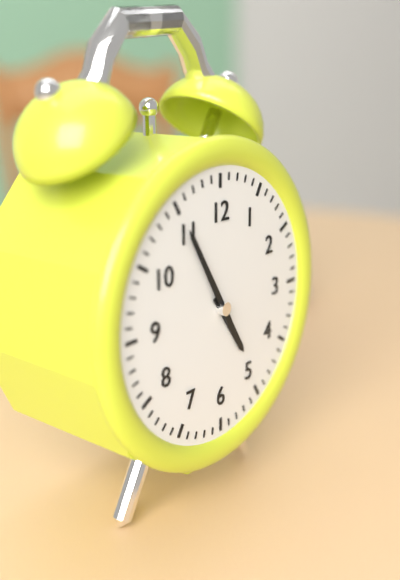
4h55
